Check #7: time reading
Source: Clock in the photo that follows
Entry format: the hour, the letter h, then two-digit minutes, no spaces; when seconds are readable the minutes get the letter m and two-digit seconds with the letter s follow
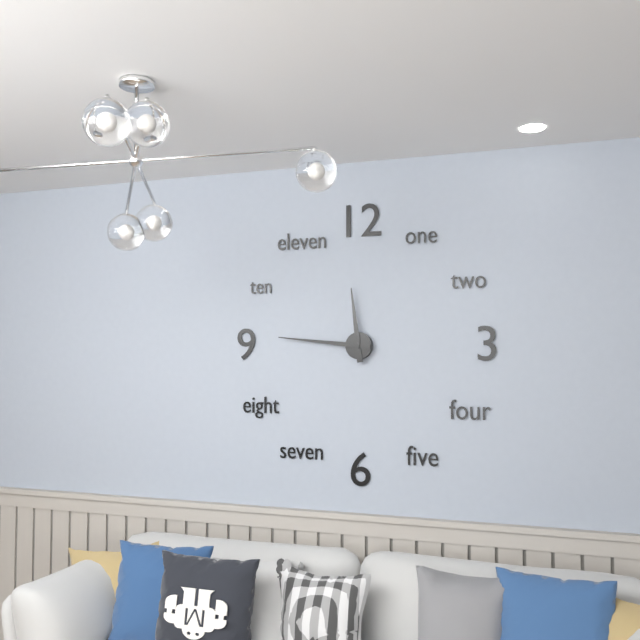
11h46
